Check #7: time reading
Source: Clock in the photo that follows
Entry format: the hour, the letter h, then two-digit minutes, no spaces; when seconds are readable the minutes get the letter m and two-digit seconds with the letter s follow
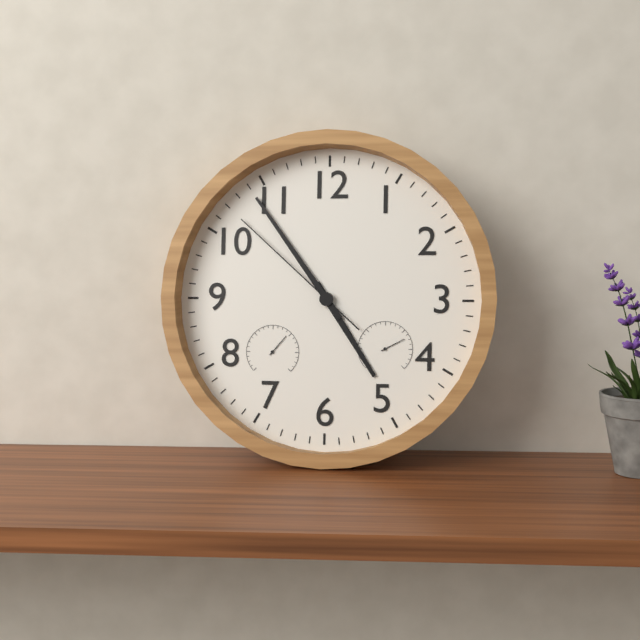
4h54m52s
